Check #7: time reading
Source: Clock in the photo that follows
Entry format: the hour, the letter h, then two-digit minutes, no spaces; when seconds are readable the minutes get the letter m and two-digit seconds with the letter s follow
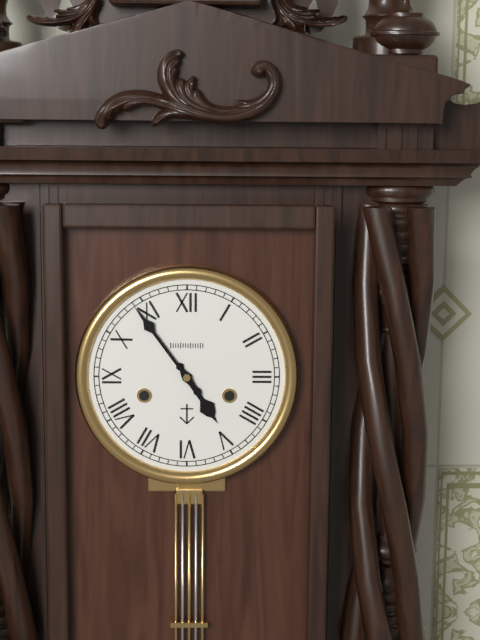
4h54
